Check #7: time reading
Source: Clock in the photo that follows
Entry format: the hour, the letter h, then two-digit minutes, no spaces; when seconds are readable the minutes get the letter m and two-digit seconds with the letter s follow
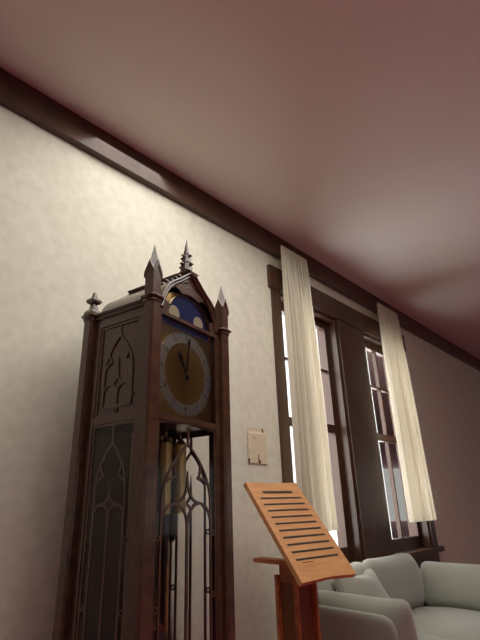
11h01
